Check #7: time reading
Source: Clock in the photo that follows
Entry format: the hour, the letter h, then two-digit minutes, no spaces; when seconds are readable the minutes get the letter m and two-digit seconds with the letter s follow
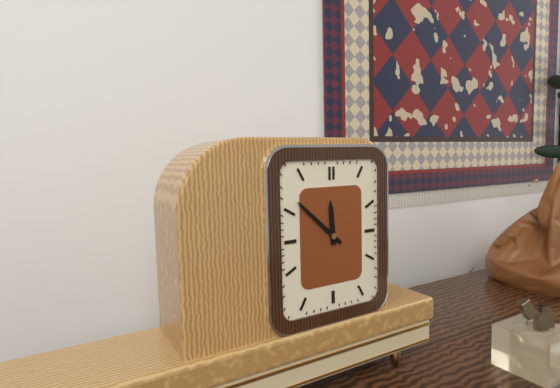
11h52
